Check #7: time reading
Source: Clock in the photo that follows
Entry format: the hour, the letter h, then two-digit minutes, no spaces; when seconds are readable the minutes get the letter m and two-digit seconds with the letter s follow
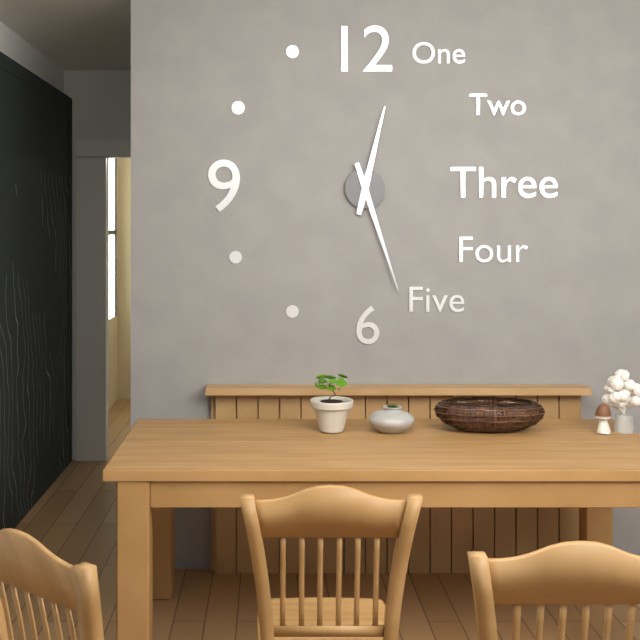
12h27
